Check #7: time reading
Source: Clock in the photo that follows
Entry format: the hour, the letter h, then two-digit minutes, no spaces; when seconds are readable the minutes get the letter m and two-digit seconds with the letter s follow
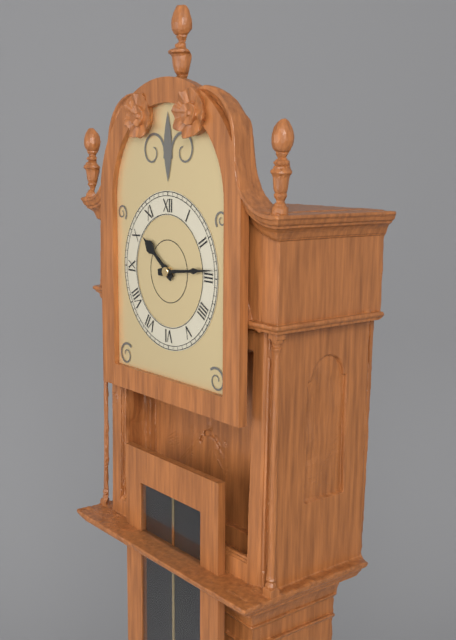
10h14
